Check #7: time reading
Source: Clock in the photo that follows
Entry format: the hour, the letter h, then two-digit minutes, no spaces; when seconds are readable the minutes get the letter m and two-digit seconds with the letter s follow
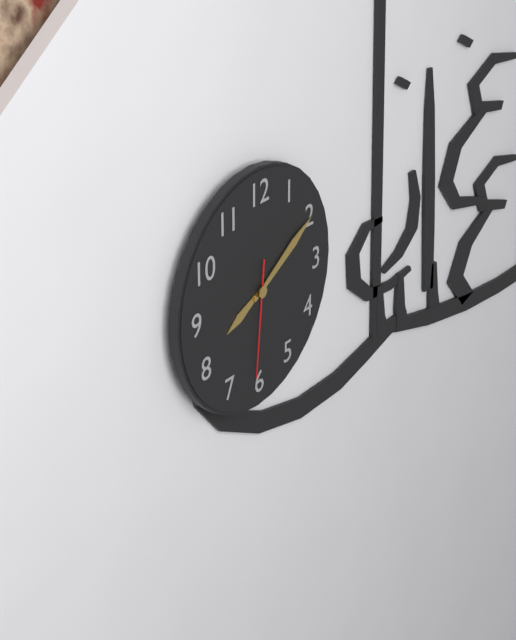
8h10m31s
